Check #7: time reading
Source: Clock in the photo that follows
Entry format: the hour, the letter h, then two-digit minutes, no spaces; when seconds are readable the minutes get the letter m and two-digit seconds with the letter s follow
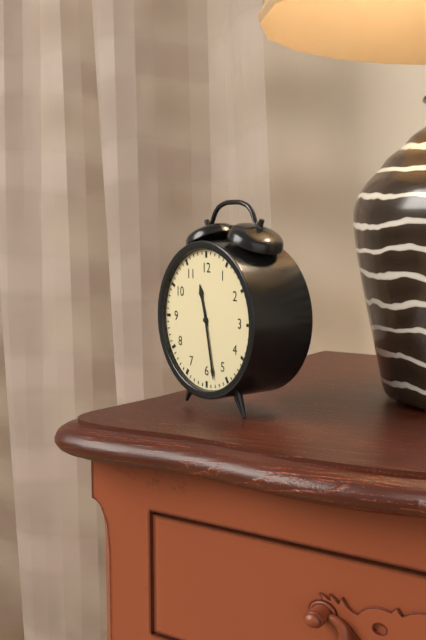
11h28
